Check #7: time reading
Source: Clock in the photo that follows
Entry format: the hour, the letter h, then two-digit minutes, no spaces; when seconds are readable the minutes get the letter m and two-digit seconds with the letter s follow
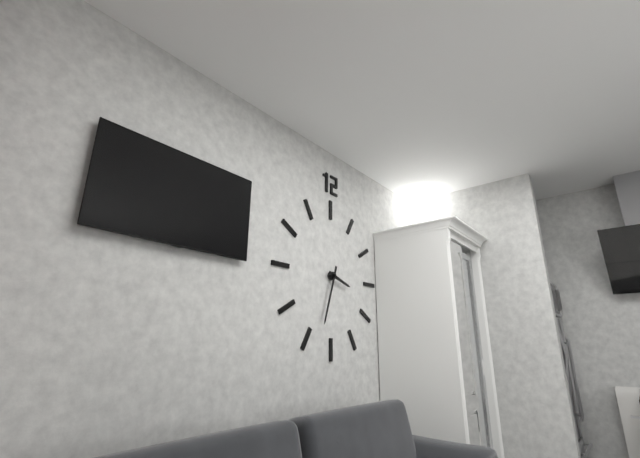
3h33
